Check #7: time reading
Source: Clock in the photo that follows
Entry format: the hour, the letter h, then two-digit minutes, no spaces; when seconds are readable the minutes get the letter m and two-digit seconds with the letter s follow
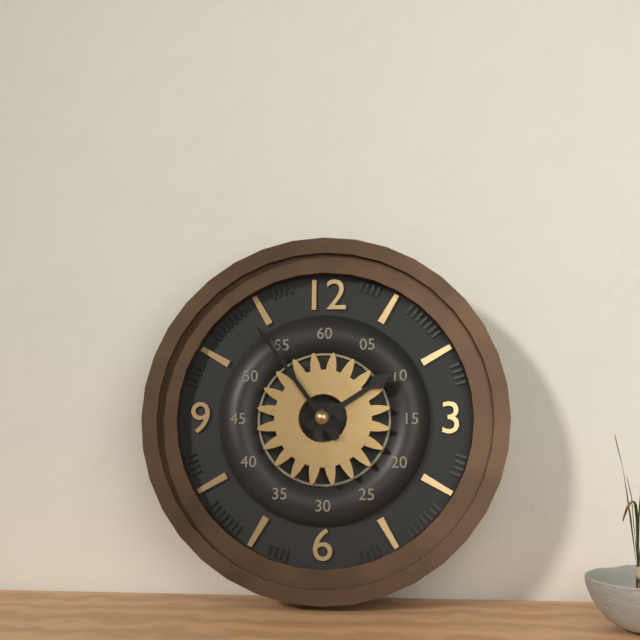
1h54
